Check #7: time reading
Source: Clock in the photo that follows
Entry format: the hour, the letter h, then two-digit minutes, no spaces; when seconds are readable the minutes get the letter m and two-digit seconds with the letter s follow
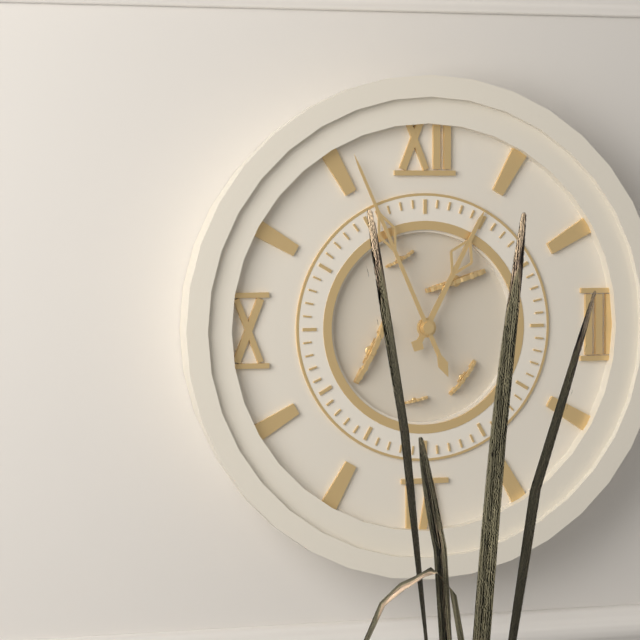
12h56
